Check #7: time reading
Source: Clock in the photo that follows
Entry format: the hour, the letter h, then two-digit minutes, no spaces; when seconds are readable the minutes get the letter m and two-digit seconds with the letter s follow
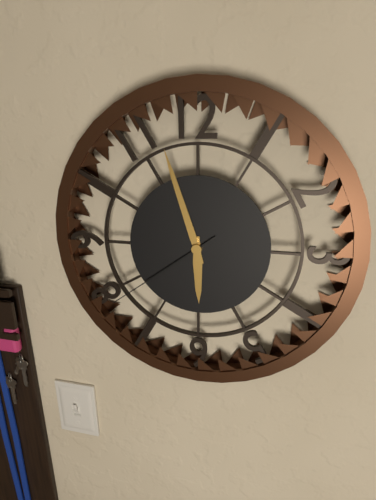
5h57m39s
